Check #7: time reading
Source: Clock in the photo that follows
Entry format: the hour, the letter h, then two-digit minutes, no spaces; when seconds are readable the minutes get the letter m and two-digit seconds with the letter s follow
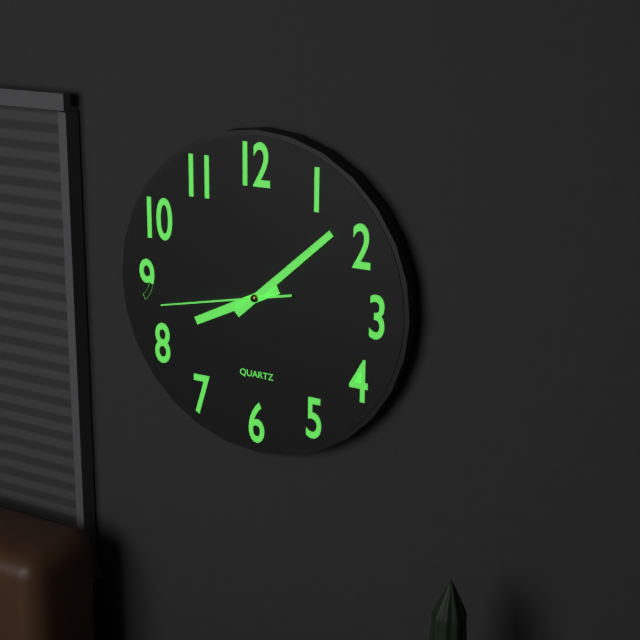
8h08m43s
